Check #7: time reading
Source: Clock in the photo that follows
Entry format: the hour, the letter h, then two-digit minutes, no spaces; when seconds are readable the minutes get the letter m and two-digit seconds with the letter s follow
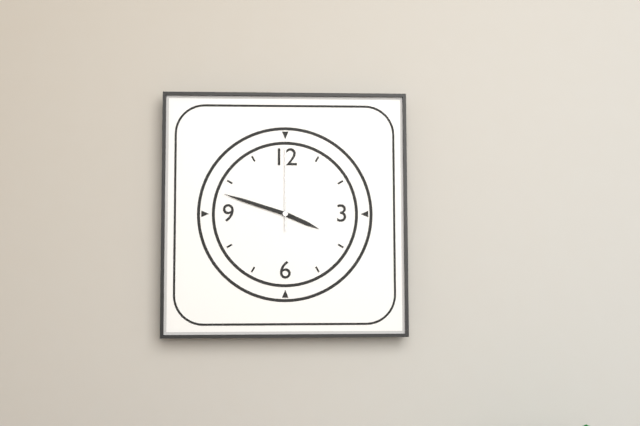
3h48m00s
